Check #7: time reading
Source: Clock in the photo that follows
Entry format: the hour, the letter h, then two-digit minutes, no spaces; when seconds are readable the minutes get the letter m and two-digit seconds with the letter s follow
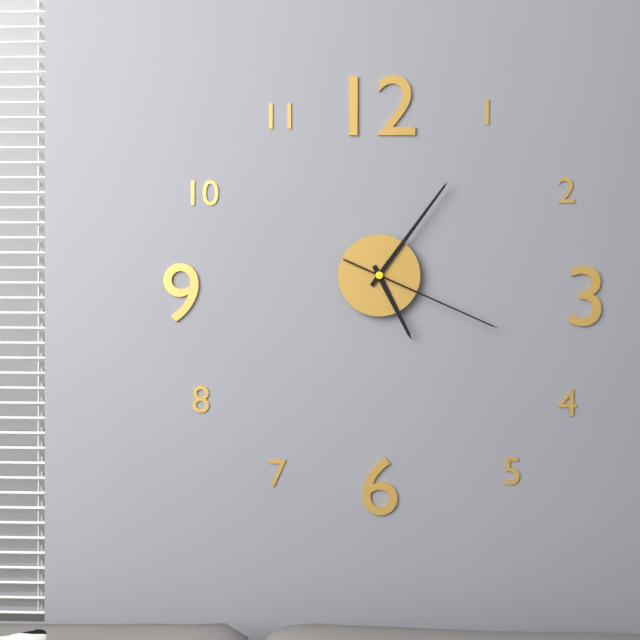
5h06m19s
